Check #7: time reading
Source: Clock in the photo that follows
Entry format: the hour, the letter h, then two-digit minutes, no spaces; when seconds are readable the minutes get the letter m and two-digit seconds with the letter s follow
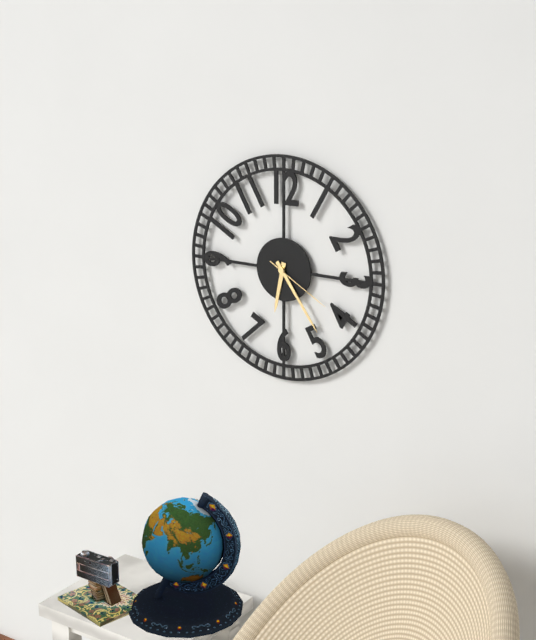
6h24m20s
